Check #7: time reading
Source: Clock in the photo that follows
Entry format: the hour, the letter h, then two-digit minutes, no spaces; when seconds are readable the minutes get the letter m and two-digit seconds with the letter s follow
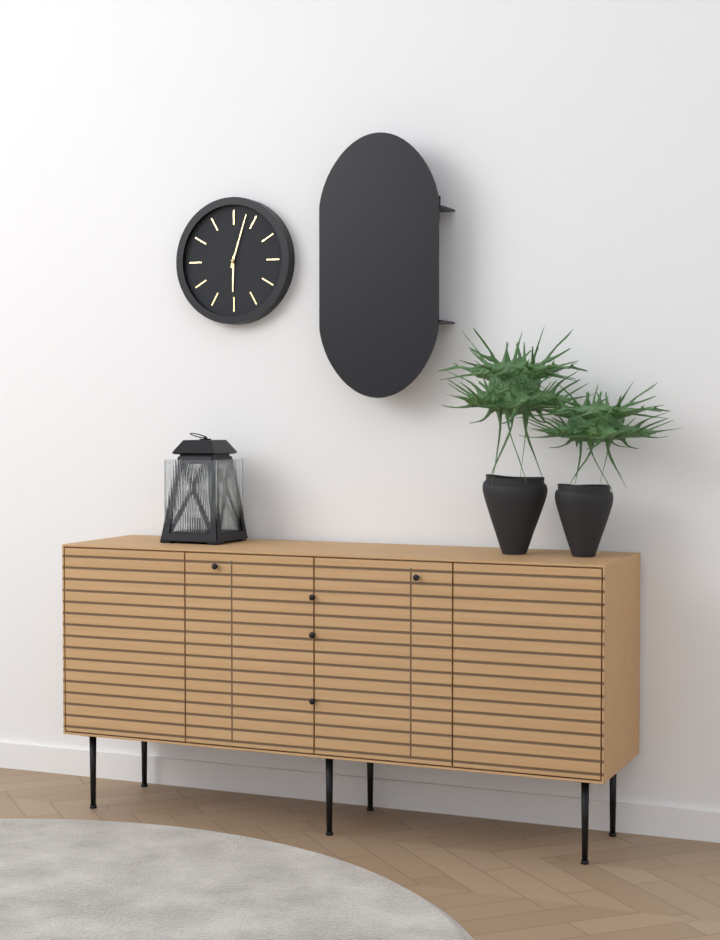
6h03
